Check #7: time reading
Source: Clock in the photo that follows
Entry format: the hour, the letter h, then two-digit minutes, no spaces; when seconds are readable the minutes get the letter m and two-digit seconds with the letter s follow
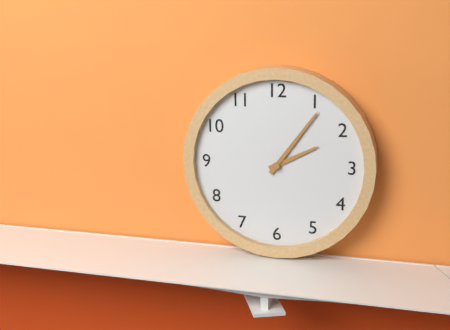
2h06
